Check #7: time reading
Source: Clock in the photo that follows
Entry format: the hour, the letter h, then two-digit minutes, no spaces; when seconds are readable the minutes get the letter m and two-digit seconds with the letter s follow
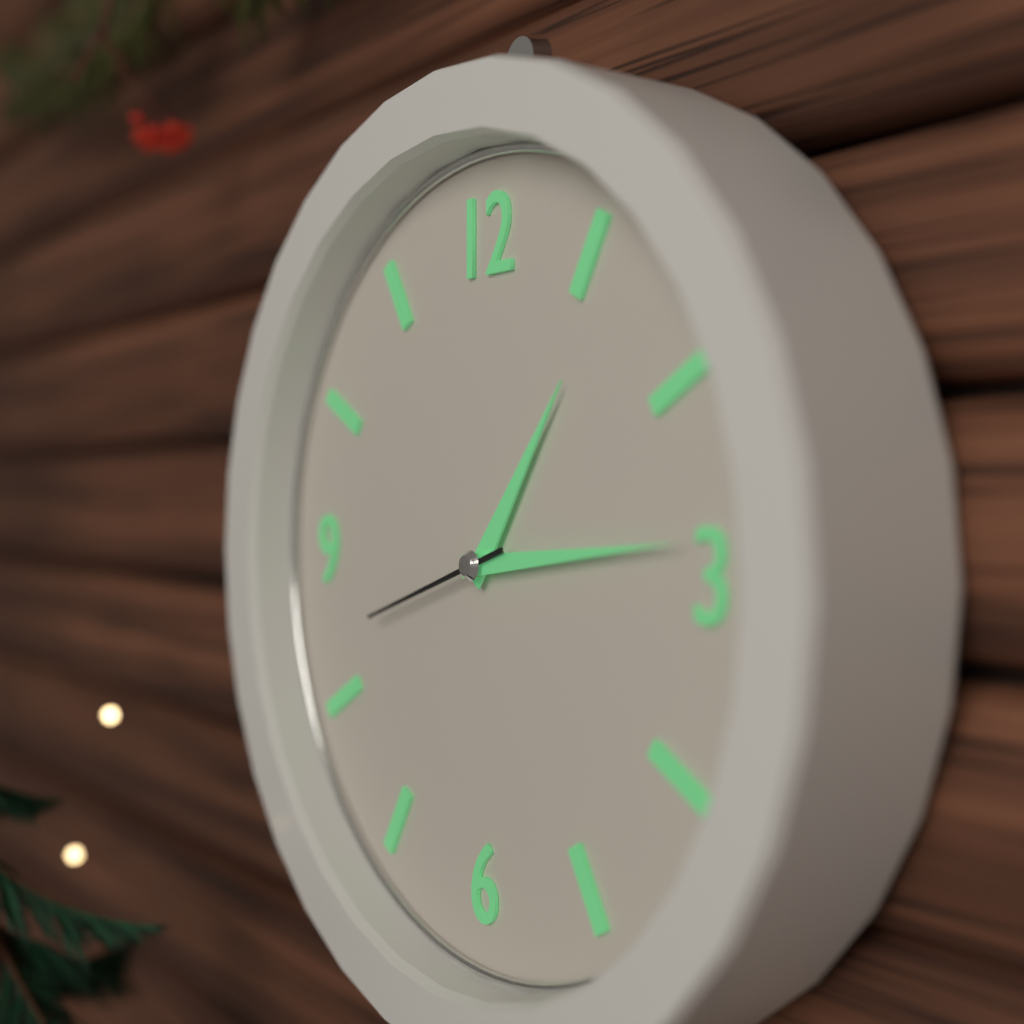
1h14m42s
